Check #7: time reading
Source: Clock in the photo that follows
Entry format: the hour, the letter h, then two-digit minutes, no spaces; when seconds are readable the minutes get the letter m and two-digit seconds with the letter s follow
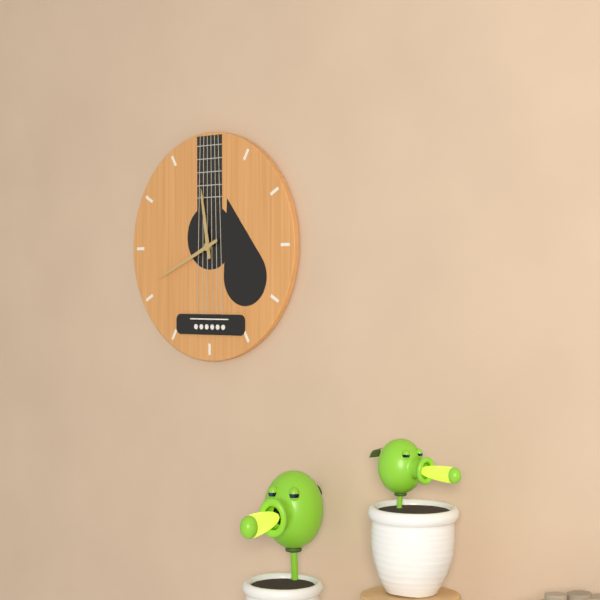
11h41
